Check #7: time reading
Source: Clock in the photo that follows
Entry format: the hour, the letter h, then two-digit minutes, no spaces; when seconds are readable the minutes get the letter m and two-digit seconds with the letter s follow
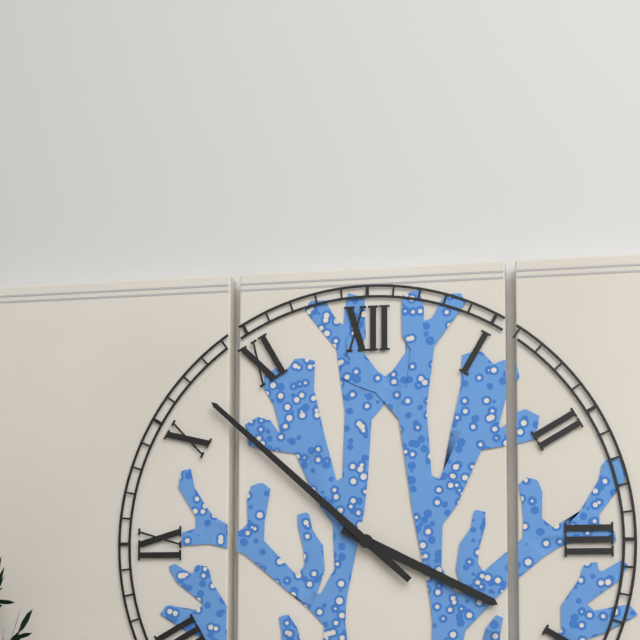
3h52
